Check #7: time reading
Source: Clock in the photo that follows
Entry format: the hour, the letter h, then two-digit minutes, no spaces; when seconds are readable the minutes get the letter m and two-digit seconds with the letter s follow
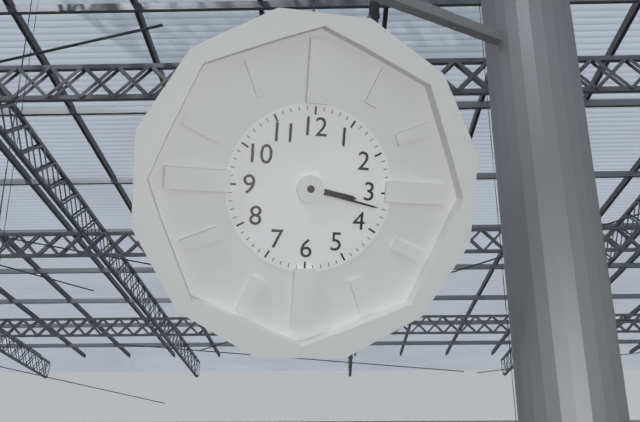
3h17
